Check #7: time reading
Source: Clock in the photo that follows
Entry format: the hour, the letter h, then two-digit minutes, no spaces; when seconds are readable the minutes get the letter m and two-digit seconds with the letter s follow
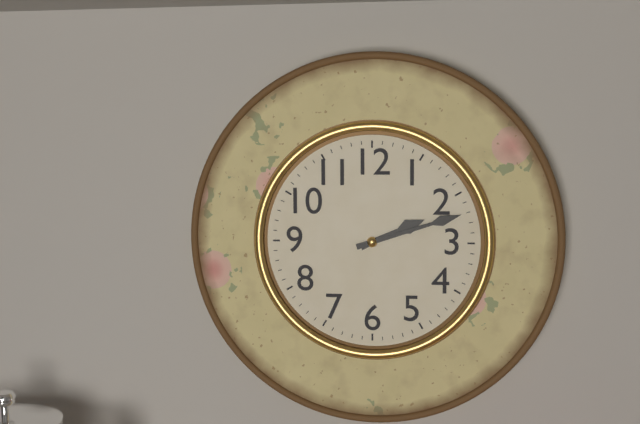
2h12
